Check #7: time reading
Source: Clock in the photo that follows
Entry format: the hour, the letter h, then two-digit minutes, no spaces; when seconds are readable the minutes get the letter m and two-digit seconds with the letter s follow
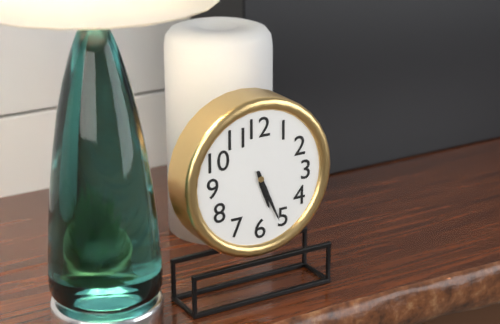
5h26
